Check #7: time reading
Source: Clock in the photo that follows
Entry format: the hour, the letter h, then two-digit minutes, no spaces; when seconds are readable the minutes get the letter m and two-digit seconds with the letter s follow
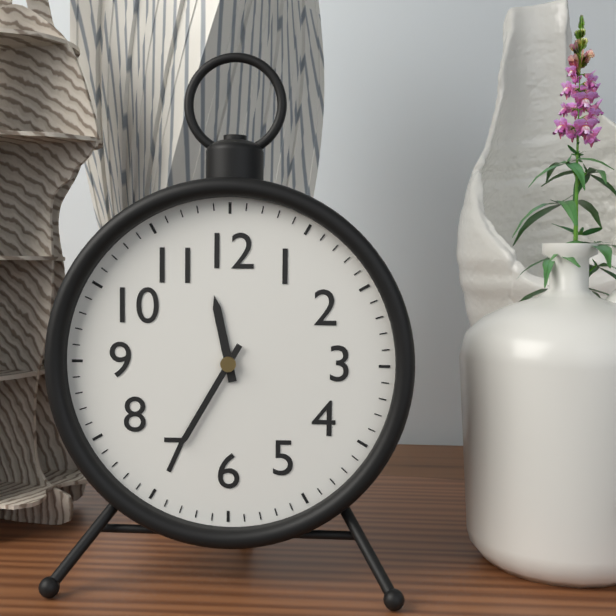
11h35
